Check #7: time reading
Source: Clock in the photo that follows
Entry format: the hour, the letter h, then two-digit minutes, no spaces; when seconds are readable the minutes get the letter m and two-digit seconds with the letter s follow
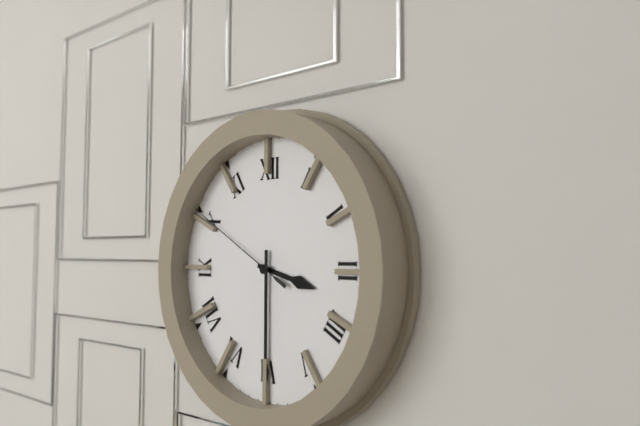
3h30m50s
